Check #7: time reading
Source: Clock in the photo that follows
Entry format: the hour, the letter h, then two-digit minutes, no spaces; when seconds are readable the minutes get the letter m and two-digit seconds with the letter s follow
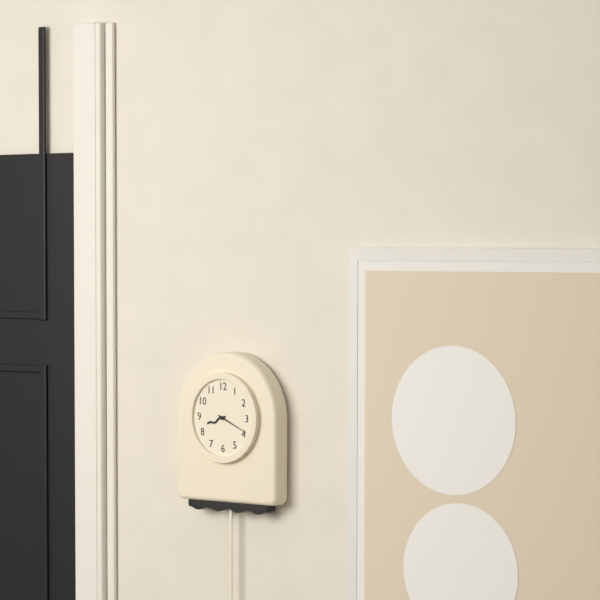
8h19
